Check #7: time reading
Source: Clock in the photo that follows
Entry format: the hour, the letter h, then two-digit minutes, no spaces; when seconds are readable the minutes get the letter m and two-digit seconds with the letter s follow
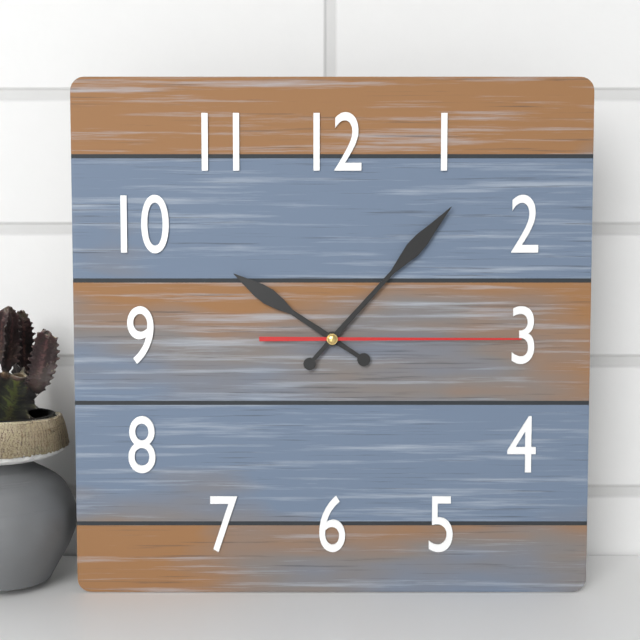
10h07m15s
